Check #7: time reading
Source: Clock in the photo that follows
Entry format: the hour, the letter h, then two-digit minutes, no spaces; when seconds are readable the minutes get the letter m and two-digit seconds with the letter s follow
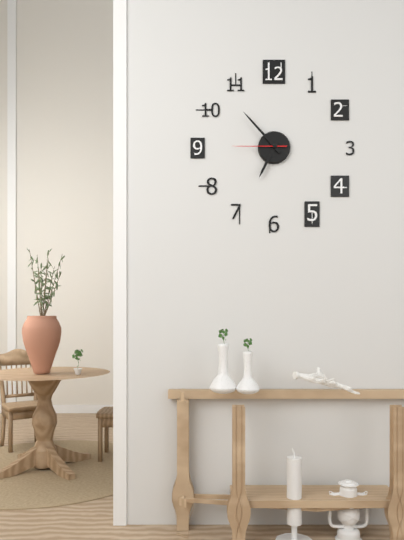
6h53m45s
